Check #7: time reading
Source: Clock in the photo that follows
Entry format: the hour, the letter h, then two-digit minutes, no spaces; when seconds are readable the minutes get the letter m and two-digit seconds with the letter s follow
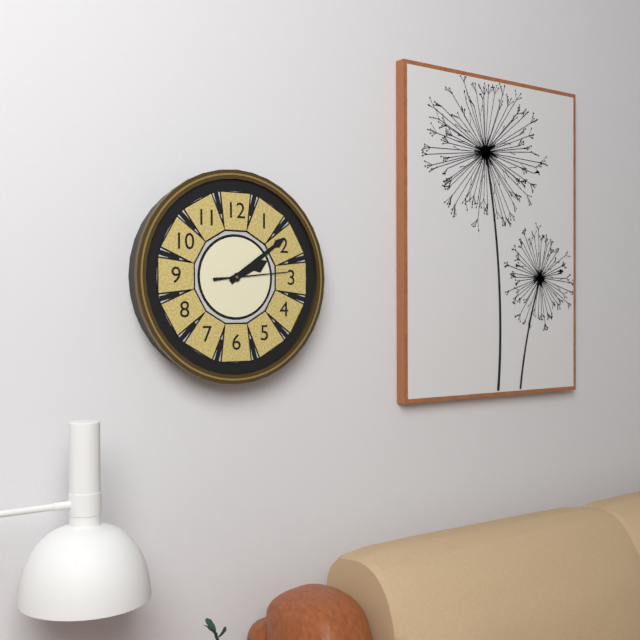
2h09m14s
